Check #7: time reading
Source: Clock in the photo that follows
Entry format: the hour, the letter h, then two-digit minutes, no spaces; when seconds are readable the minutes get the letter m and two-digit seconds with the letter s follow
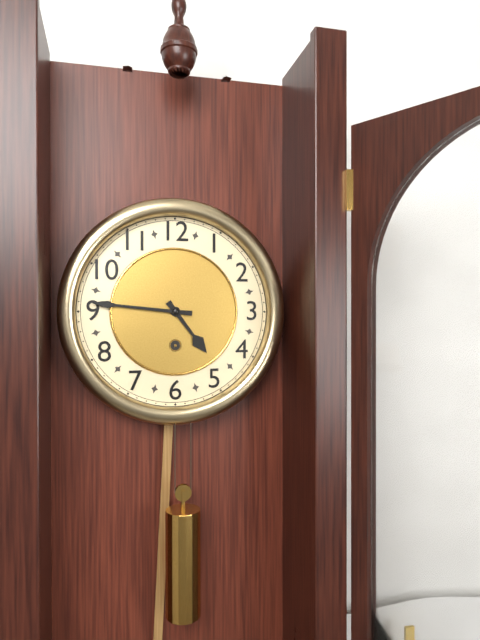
4h46
